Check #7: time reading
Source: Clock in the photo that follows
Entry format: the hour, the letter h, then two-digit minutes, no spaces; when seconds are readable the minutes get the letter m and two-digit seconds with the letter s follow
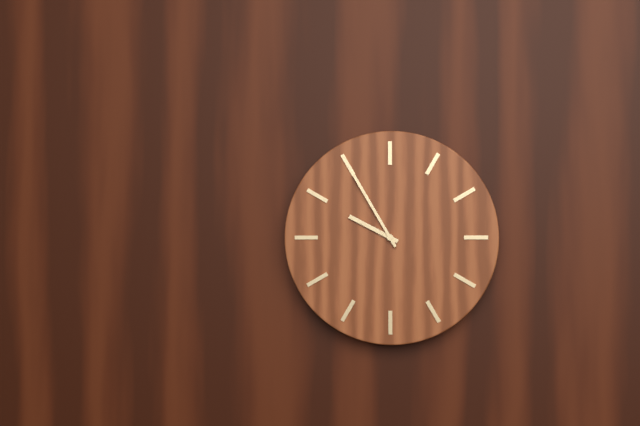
9h55
